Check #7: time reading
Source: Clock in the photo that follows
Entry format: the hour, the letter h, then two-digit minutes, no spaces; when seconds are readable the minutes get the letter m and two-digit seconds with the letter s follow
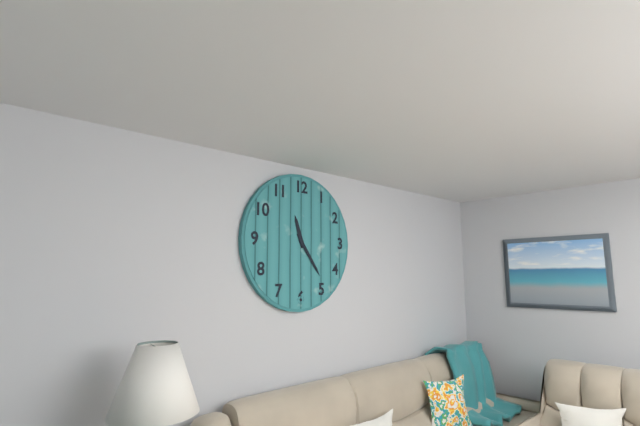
11h24
